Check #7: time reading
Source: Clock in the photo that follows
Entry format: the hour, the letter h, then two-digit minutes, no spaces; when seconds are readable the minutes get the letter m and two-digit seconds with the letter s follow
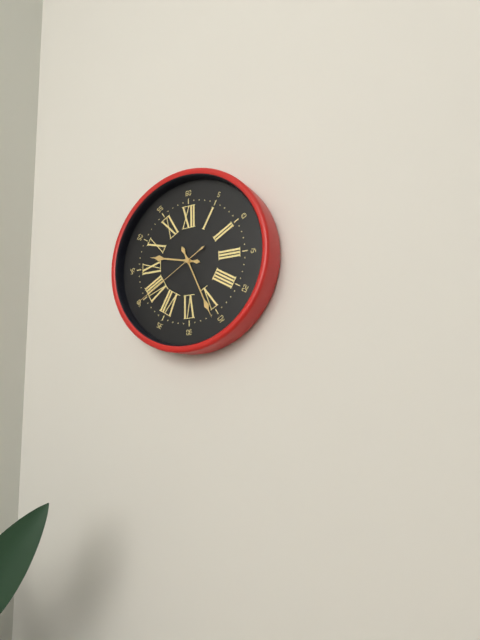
9h26m40s
